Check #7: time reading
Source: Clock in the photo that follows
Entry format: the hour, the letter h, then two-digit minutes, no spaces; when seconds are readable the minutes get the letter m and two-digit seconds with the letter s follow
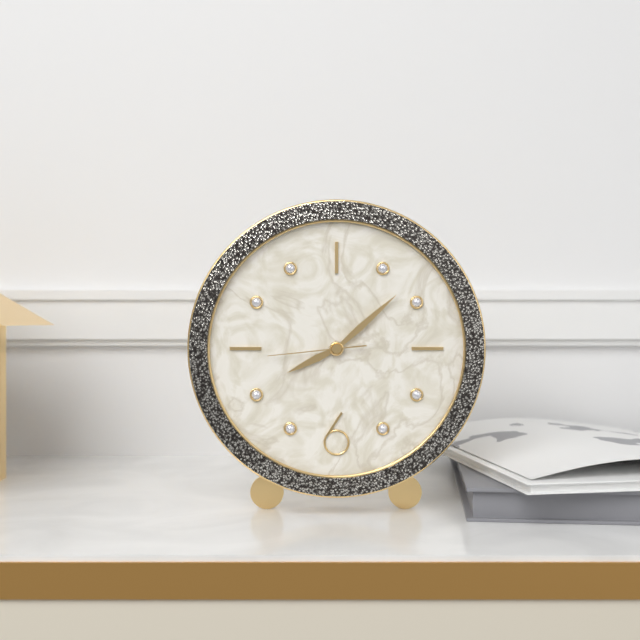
8h08m44s
